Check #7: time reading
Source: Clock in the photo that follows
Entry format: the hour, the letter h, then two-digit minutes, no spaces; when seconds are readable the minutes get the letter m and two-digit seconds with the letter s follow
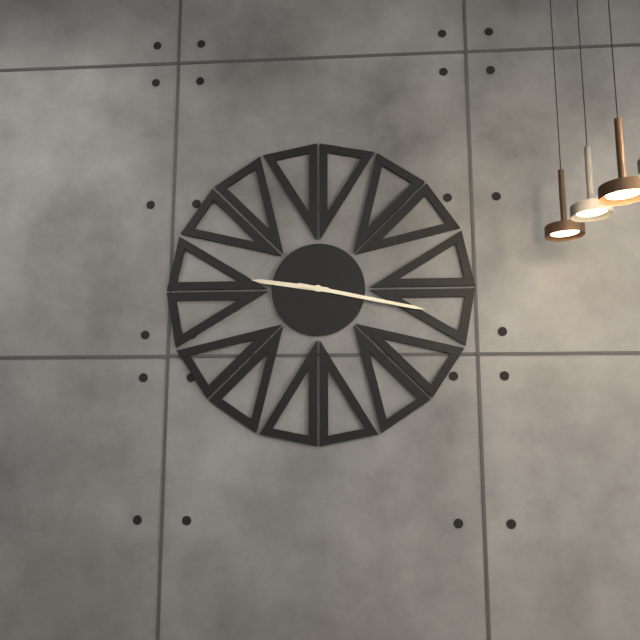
9h17
